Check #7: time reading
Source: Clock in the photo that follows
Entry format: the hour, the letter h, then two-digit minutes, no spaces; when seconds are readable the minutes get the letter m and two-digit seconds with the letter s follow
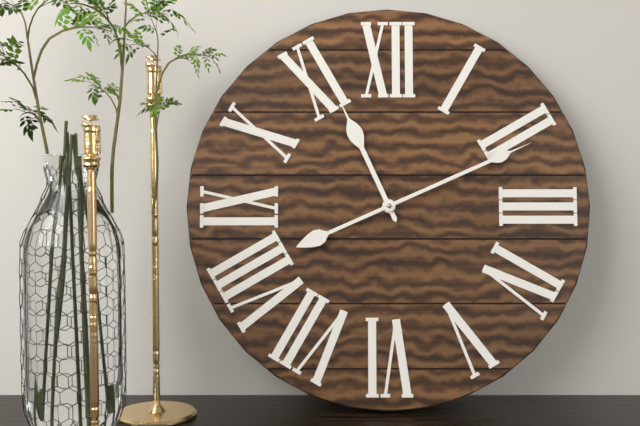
11h11
